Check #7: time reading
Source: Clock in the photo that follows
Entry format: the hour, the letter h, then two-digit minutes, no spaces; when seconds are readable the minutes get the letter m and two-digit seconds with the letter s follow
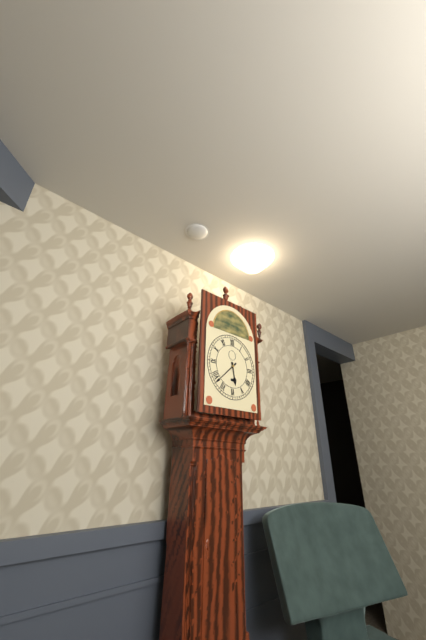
5h38
